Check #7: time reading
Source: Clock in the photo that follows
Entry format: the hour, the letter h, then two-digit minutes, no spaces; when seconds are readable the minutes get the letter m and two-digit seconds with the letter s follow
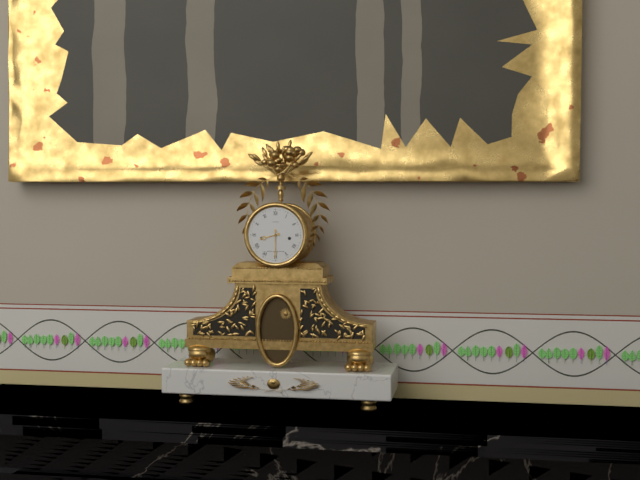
8h30
